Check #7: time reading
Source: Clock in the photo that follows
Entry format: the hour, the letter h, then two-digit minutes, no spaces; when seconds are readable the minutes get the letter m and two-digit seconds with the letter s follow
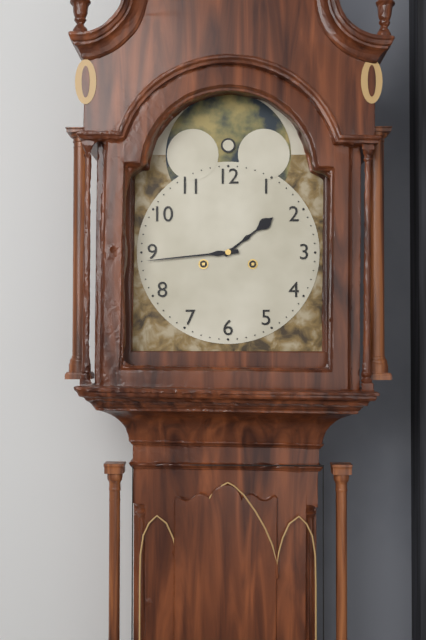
1h44
